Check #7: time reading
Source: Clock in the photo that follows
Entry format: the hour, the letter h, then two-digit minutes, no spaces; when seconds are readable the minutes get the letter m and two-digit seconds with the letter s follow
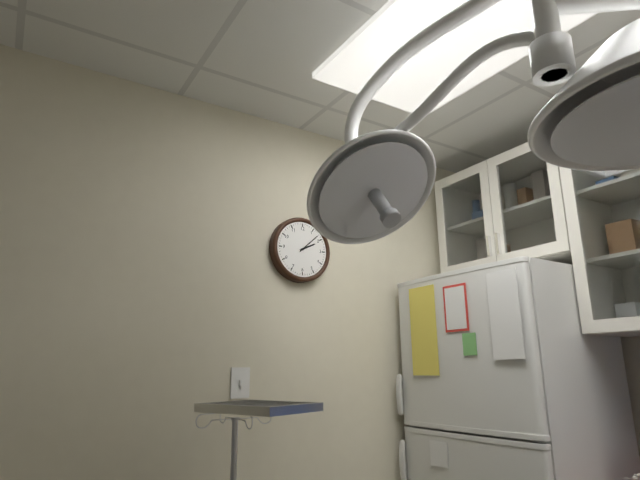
2h08
